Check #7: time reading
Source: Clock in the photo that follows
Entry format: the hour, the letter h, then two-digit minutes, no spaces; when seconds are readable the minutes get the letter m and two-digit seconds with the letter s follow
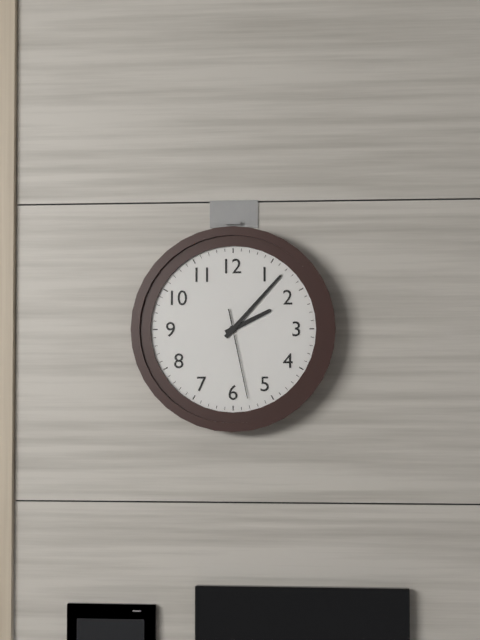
2h07m28s
